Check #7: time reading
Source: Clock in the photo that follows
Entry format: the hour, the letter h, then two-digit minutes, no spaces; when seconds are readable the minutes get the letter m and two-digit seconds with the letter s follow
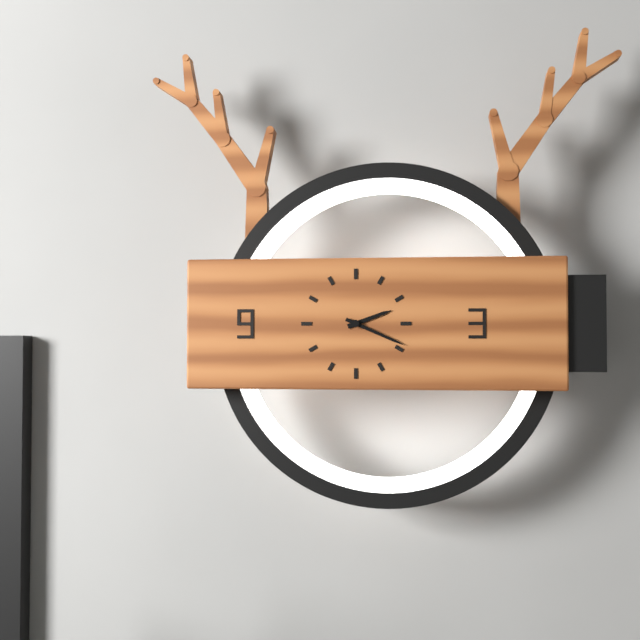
2h19
